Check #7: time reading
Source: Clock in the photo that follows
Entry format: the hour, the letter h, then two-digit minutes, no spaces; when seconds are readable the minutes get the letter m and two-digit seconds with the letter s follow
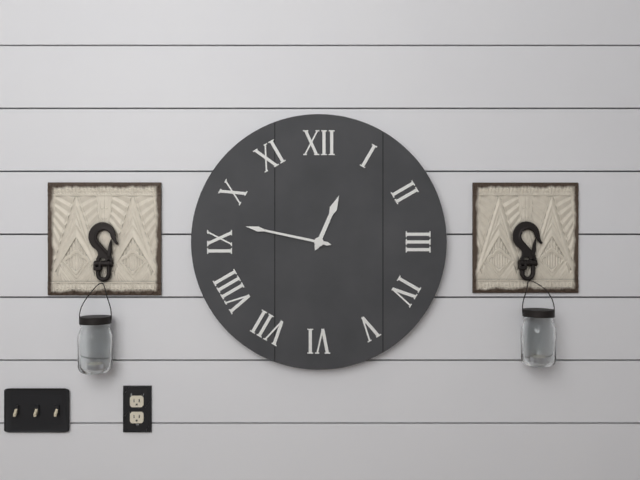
12h47
